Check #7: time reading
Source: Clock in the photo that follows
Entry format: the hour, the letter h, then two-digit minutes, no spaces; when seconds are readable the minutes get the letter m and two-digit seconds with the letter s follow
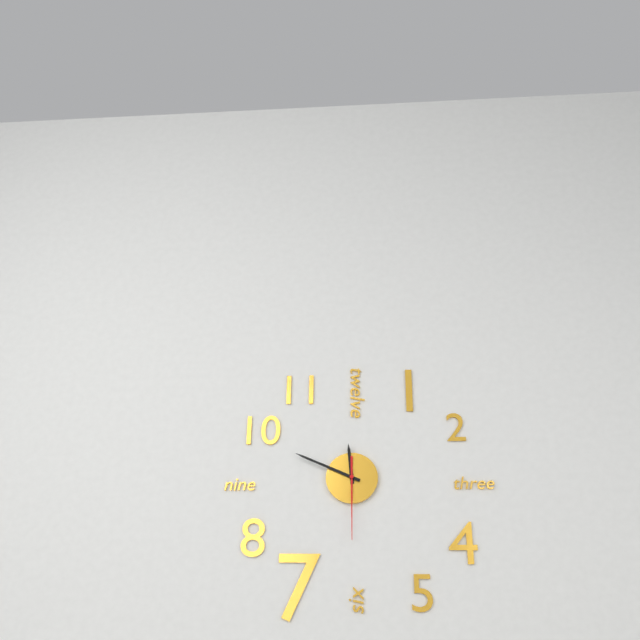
11h49m30s
